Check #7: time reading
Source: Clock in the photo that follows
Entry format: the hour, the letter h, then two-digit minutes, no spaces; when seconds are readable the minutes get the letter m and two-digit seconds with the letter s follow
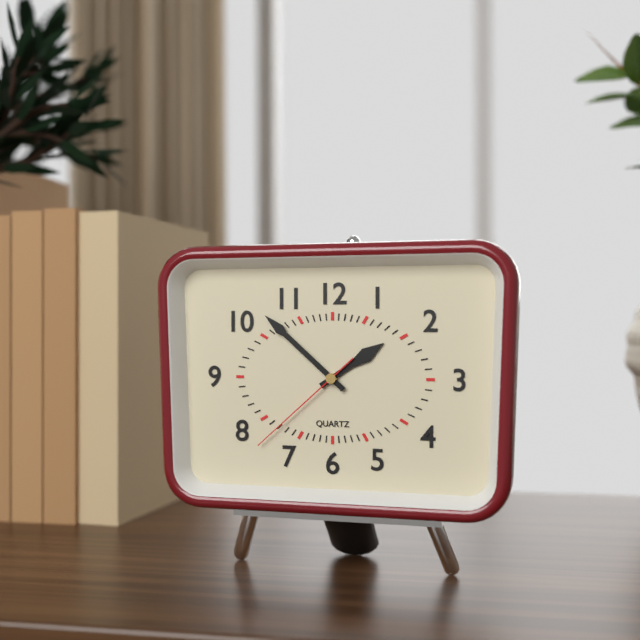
1h52m38s
